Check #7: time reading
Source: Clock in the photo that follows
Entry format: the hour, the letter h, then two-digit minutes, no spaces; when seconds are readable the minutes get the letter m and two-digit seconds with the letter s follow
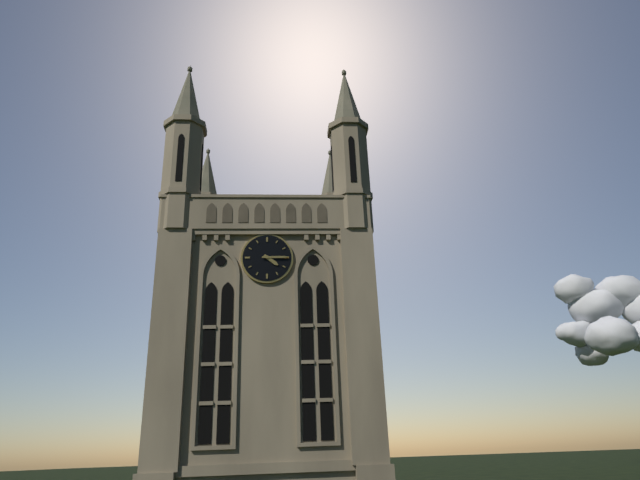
4h15
